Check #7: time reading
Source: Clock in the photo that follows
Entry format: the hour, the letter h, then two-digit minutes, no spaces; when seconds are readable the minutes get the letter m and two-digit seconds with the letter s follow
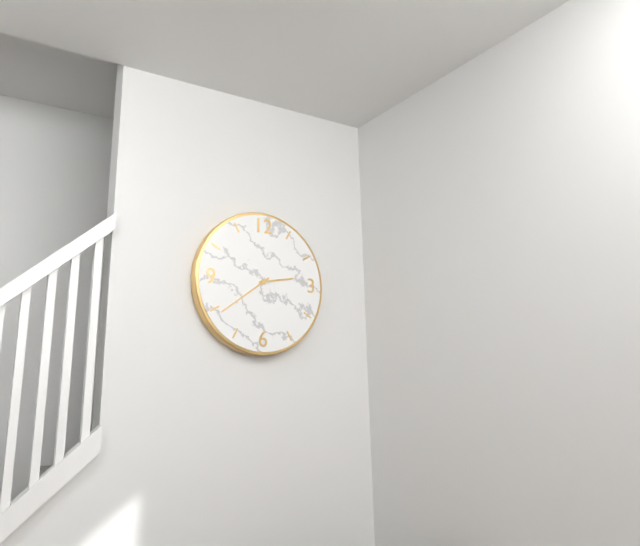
2h39
